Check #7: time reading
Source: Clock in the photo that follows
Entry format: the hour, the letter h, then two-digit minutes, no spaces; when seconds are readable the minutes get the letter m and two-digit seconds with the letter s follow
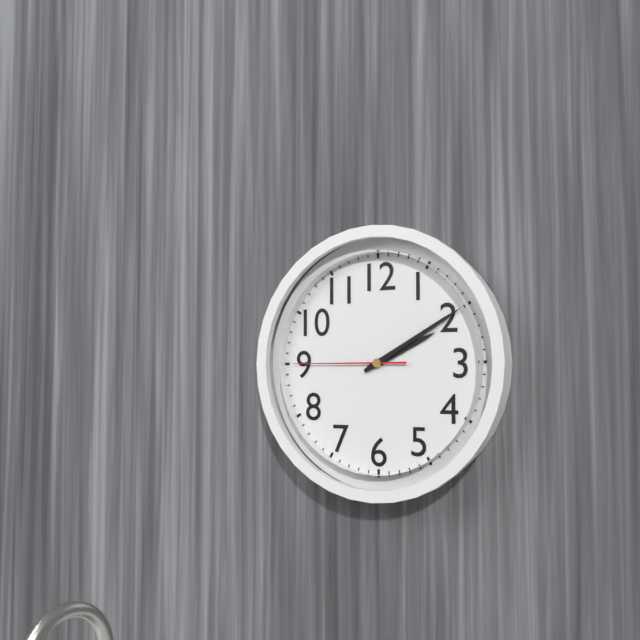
2h10m45s
